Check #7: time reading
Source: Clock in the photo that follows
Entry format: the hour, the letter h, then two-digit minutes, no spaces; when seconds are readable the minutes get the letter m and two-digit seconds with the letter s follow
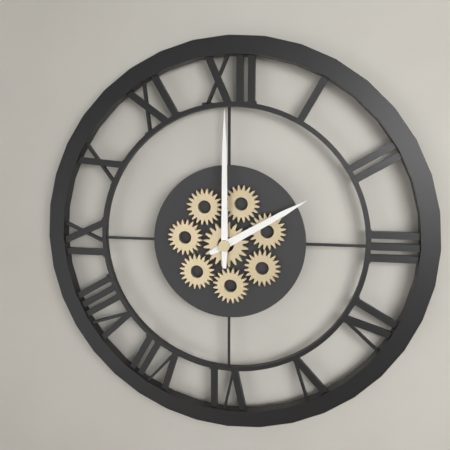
2h00
